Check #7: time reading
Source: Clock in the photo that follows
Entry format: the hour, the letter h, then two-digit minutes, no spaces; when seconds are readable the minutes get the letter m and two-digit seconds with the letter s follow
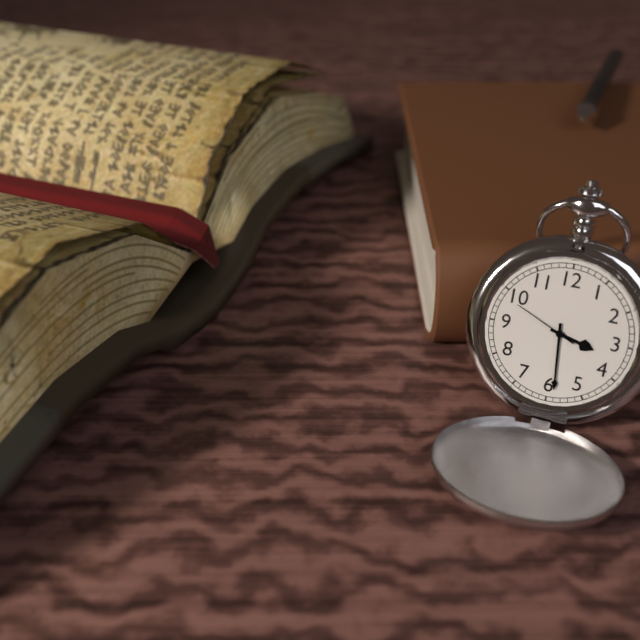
3h29m49s
